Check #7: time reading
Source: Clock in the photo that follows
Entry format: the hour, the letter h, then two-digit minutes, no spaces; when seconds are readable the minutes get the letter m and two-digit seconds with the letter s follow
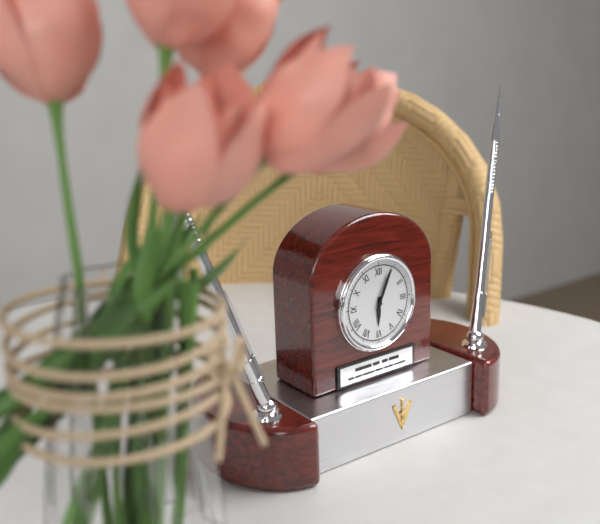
6h04
